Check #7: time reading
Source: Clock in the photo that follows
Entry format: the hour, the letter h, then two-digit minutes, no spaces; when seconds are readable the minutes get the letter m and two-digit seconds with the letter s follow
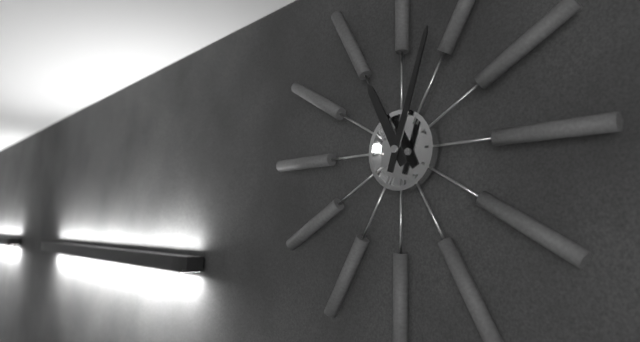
11h03
